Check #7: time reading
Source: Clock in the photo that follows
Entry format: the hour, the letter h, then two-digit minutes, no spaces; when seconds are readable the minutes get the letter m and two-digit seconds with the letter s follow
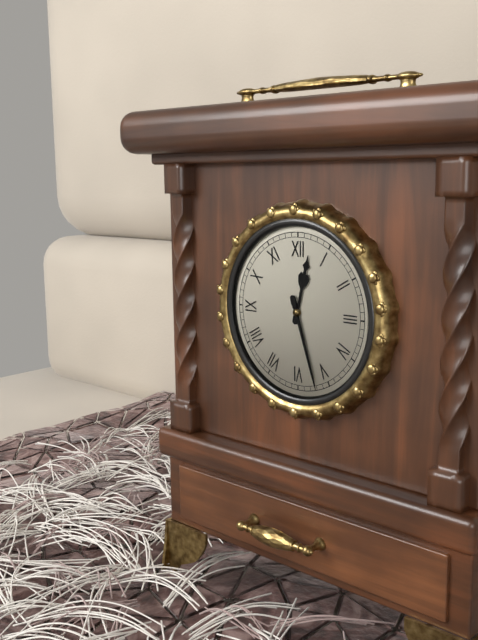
12h27
